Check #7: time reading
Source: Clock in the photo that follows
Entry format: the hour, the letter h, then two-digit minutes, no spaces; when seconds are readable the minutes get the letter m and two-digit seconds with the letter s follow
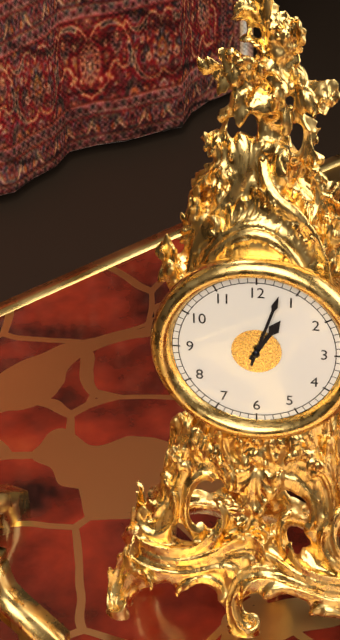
1h03
